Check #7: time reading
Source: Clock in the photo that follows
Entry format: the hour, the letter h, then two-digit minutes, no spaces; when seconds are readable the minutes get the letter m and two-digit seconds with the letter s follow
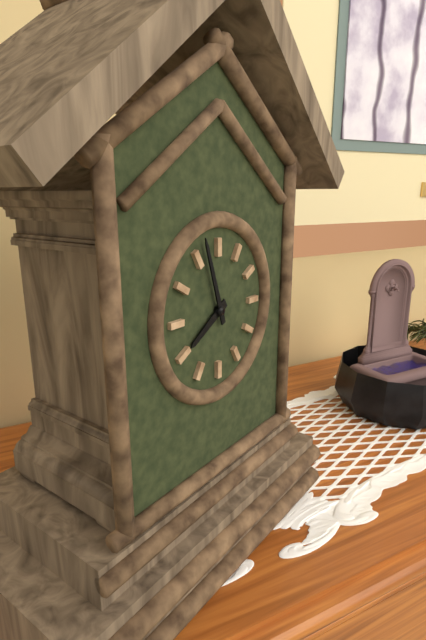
7h57
